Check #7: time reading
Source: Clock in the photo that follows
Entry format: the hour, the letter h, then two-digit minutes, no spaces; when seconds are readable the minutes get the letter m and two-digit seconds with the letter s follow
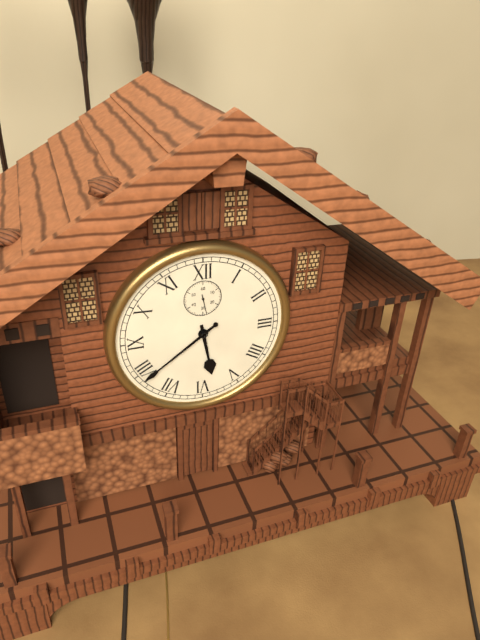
5h39
